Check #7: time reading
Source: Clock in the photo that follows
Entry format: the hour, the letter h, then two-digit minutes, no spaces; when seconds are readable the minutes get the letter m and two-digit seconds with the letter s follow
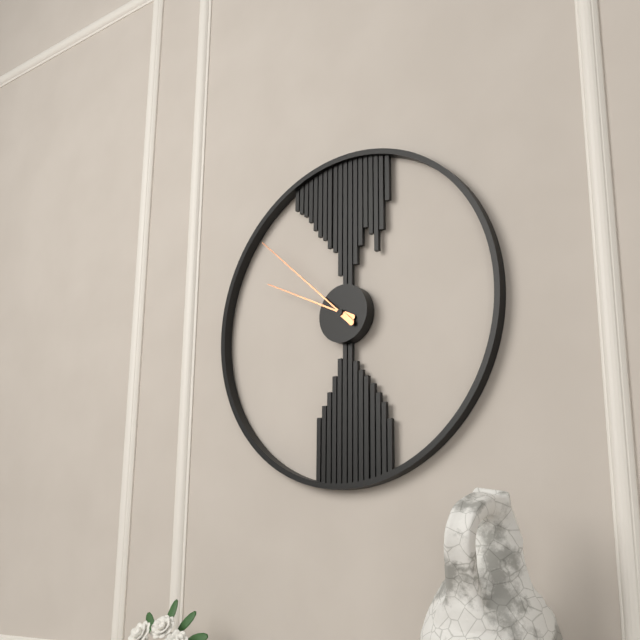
9h52
